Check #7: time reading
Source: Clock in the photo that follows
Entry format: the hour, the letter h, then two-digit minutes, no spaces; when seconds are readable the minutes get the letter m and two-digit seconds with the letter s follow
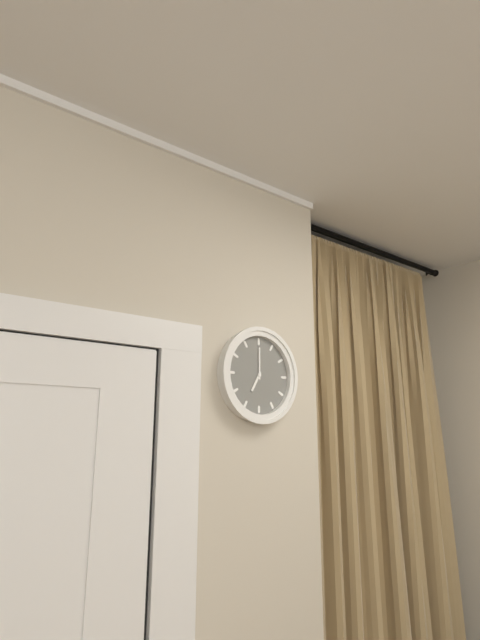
7h00
